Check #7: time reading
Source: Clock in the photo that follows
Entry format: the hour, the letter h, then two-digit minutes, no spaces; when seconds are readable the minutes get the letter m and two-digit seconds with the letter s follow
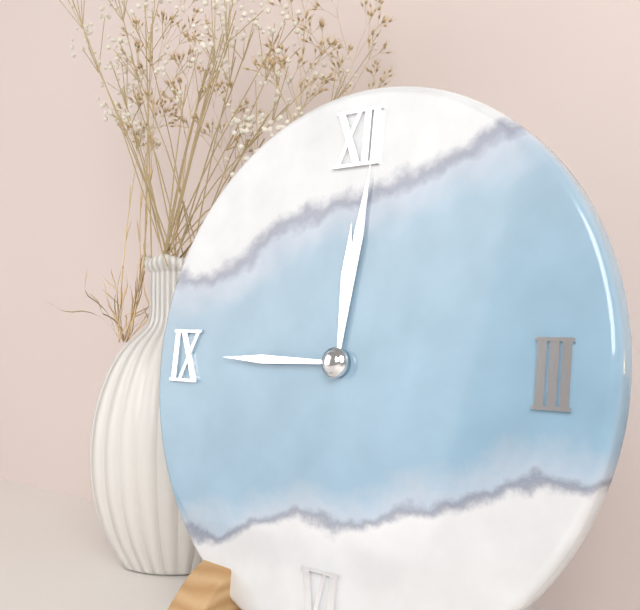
12h01m45s
